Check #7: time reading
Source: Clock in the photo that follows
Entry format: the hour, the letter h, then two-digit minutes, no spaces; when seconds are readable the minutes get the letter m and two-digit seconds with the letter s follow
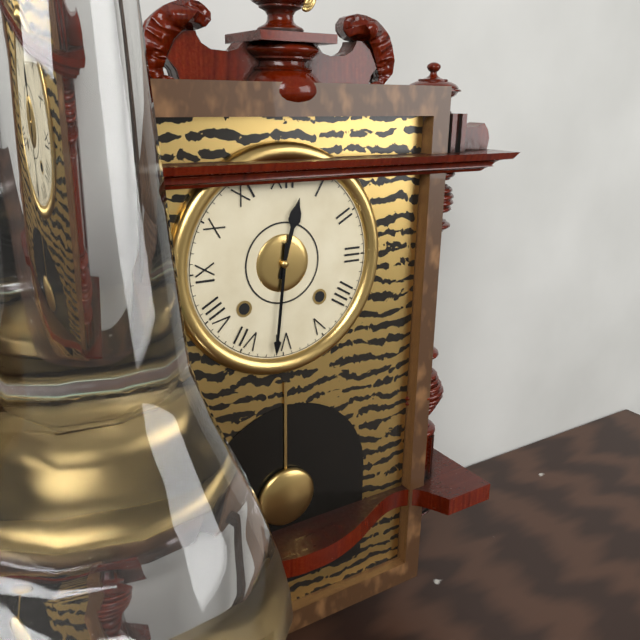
12h31
